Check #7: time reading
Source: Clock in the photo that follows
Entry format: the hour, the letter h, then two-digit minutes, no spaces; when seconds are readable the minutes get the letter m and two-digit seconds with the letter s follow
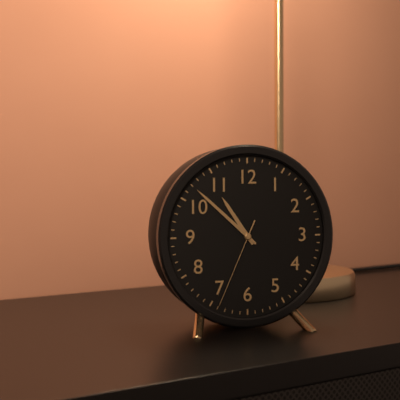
10h52m34s
